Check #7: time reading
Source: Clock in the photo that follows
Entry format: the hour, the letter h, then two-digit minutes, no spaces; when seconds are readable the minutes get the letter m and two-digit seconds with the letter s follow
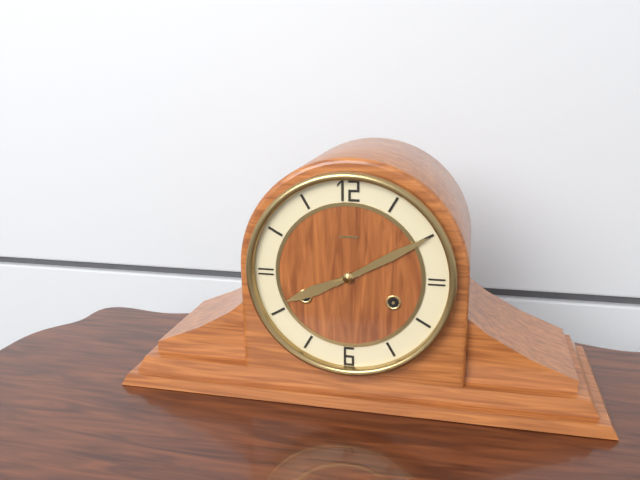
8h10
